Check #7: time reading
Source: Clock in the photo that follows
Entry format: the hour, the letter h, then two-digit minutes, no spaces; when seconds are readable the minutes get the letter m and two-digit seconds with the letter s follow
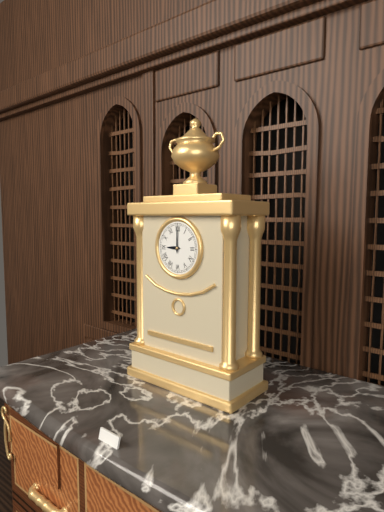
9h00
